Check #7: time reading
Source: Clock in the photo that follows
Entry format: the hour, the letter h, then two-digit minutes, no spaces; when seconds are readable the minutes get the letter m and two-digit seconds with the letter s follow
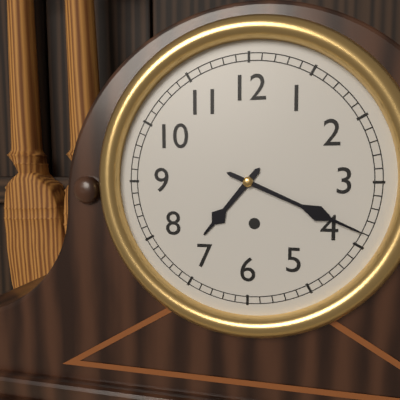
7h19
